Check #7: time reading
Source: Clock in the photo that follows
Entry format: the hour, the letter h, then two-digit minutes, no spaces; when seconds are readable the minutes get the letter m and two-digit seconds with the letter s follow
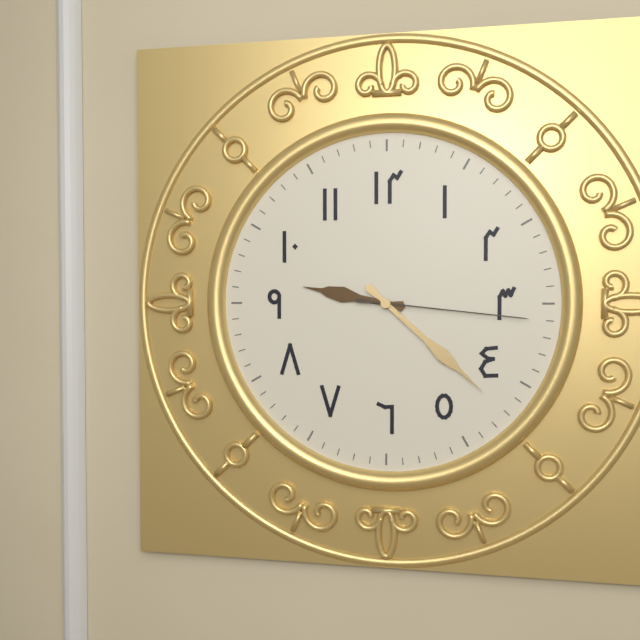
9h22m16s
